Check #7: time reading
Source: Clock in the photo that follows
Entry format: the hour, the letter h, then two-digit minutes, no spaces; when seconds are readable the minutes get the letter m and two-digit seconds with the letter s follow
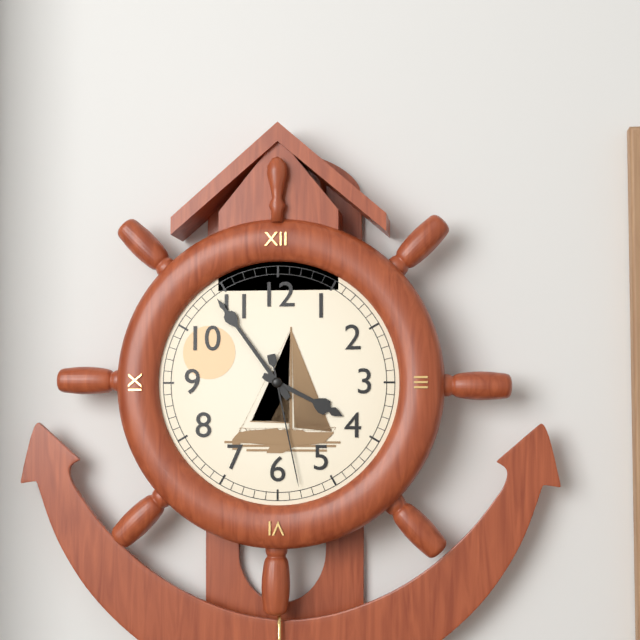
3h54m28s
